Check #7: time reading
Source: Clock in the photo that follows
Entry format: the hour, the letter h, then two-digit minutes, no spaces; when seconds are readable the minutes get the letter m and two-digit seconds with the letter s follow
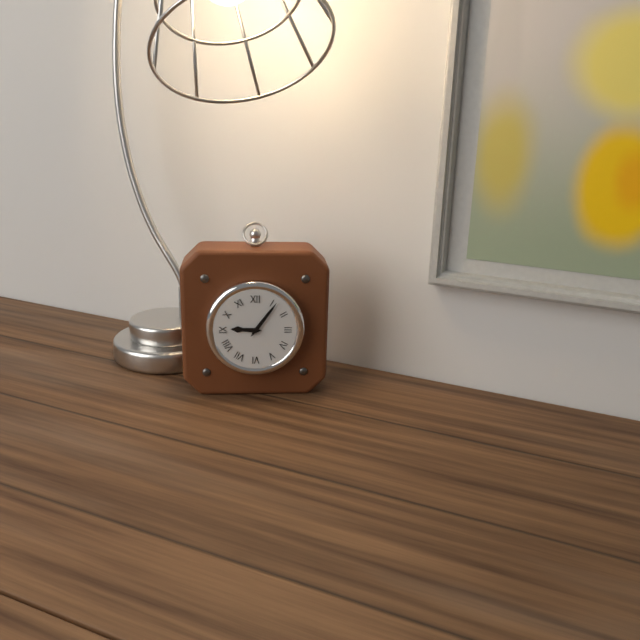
9h06
